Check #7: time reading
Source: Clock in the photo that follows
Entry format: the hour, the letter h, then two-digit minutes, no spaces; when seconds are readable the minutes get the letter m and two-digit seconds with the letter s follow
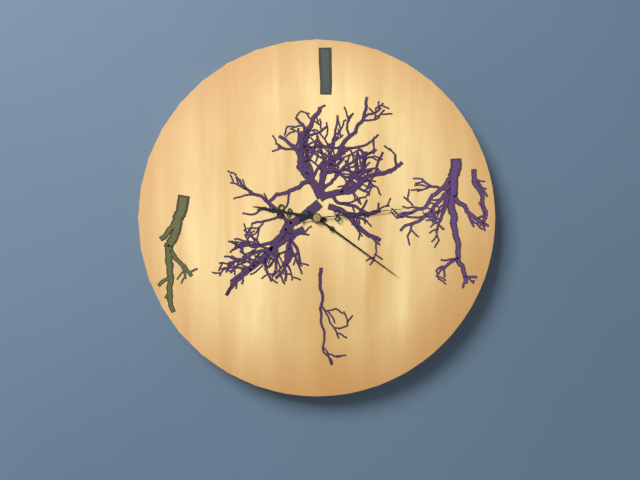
9h21m14s
